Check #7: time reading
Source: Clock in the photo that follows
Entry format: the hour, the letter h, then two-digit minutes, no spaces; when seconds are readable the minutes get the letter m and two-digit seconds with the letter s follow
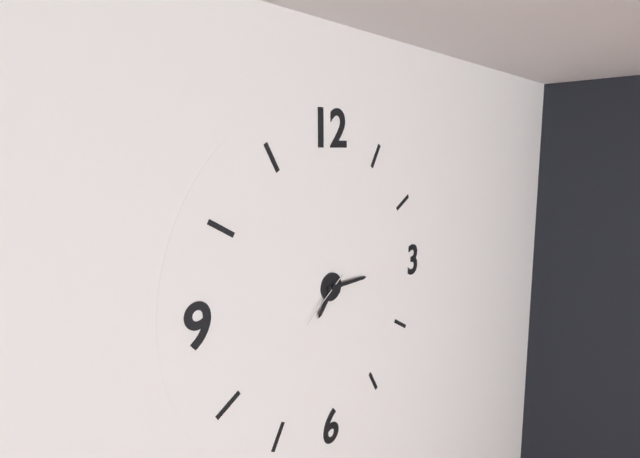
7h15m39s
